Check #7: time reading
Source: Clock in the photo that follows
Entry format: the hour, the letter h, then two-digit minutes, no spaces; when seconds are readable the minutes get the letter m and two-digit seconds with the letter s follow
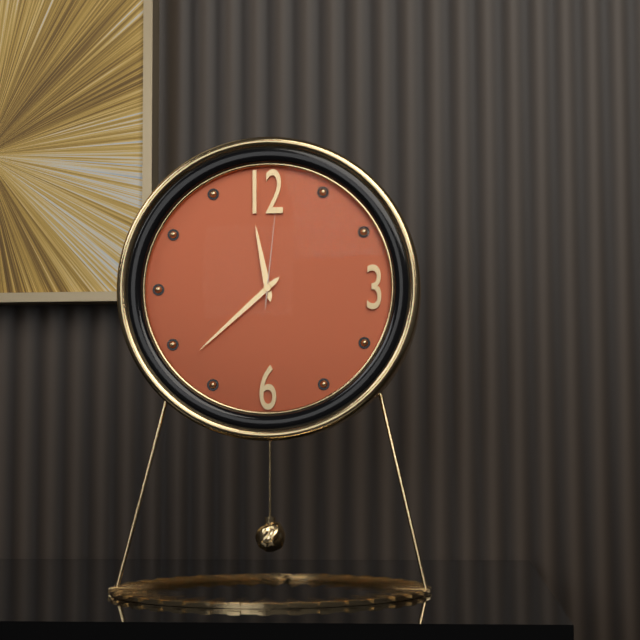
11h38m01s
